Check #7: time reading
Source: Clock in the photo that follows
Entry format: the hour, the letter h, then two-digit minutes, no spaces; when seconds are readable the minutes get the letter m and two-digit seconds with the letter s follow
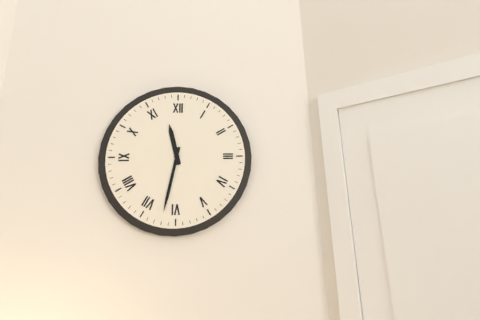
11h32
